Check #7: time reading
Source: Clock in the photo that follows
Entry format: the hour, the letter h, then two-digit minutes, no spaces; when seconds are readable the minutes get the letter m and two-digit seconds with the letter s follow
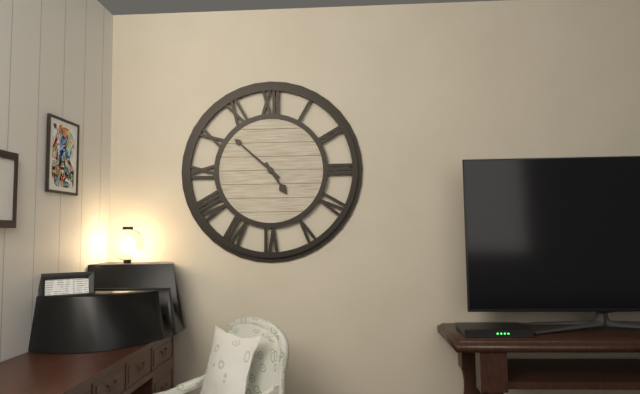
4h52
